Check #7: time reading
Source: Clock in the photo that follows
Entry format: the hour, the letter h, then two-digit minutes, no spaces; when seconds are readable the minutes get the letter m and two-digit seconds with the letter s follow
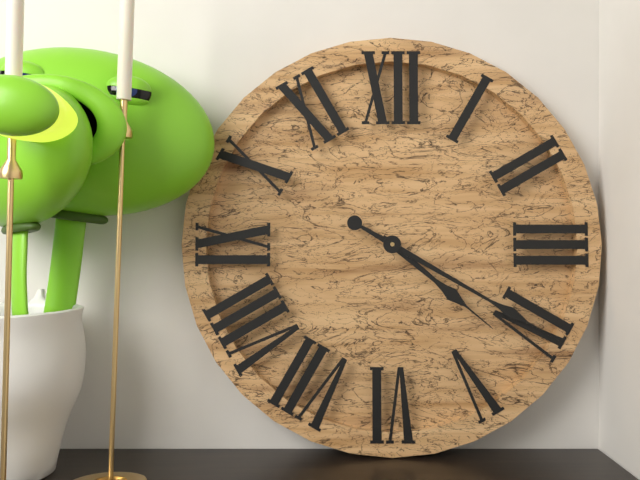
4h20
